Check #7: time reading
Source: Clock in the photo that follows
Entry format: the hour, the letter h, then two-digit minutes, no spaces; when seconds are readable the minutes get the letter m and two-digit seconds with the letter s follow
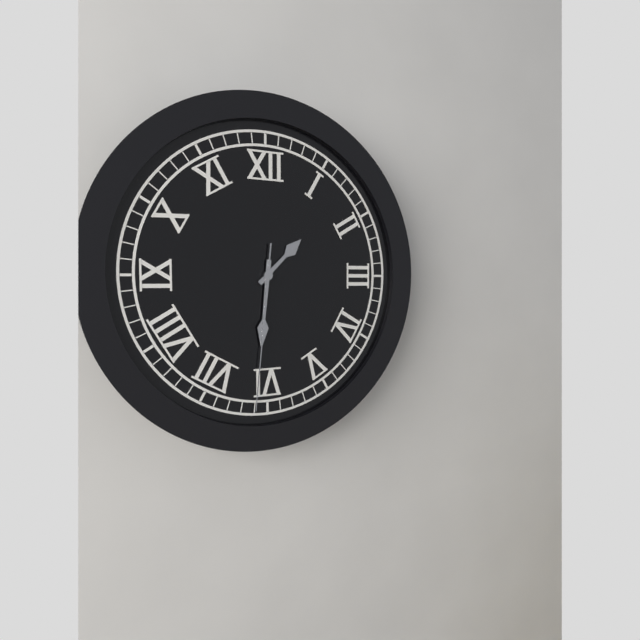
1h31m31s
